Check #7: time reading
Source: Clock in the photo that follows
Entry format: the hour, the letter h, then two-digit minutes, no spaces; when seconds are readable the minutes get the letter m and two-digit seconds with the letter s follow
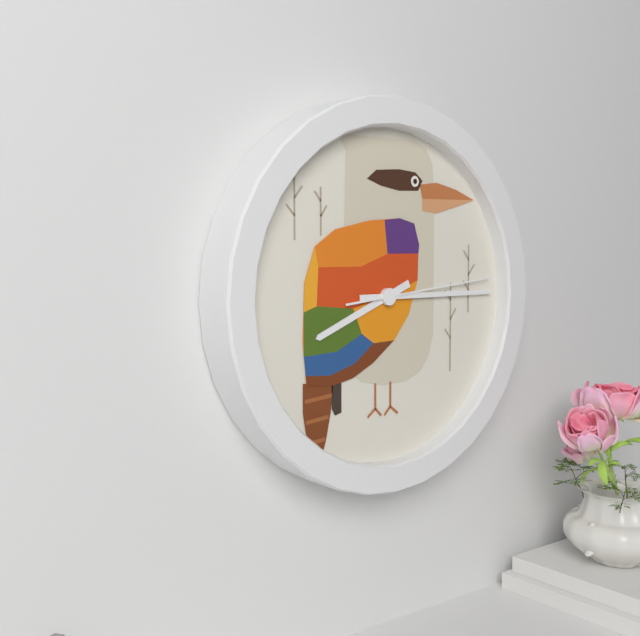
8h15m14s
